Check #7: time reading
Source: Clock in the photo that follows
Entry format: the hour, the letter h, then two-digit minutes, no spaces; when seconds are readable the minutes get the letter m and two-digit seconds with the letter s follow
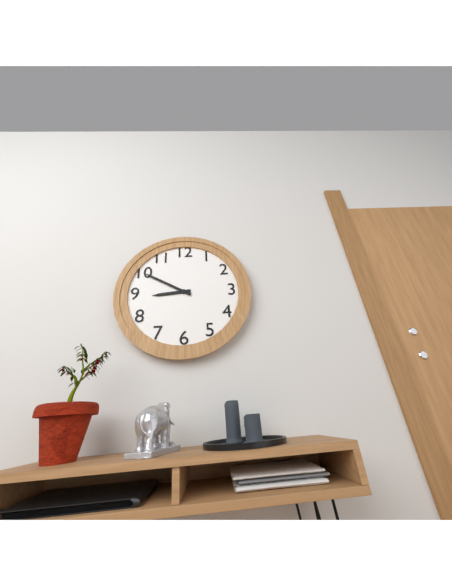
8h50
